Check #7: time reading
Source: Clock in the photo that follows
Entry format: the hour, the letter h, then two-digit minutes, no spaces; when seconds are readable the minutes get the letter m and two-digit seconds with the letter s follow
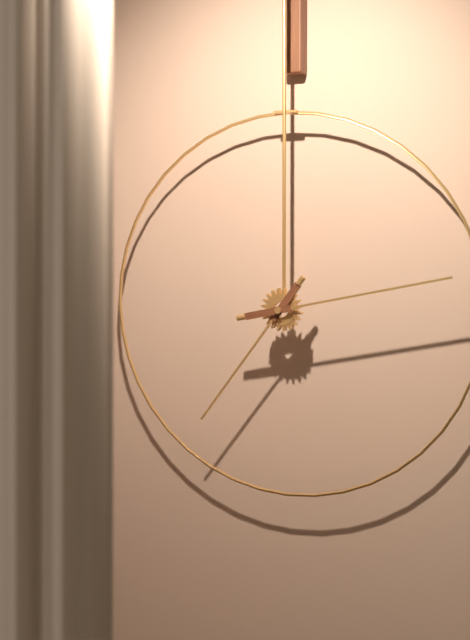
7h13
